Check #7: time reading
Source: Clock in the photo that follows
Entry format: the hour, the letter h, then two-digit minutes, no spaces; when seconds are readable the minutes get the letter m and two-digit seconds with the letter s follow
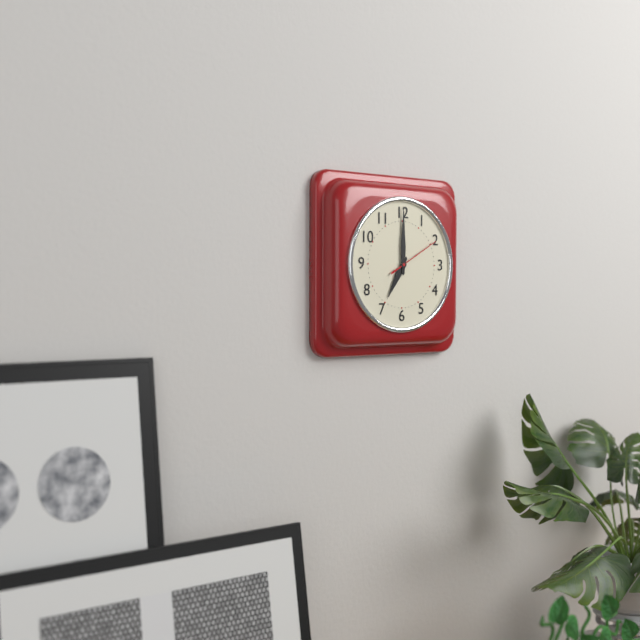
7h00
